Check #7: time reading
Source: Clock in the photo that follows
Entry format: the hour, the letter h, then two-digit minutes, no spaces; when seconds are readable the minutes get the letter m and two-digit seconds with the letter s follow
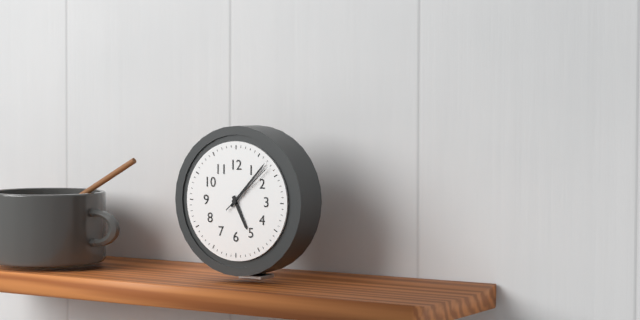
5h07m08s
